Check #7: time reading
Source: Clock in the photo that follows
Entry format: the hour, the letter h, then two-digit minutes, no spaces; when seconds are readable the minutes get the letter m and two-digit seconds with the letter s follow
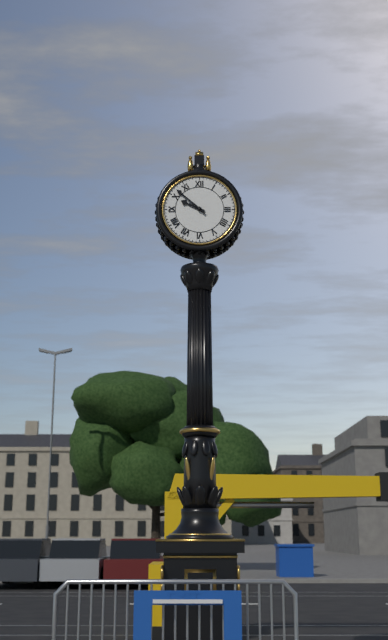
9h52
